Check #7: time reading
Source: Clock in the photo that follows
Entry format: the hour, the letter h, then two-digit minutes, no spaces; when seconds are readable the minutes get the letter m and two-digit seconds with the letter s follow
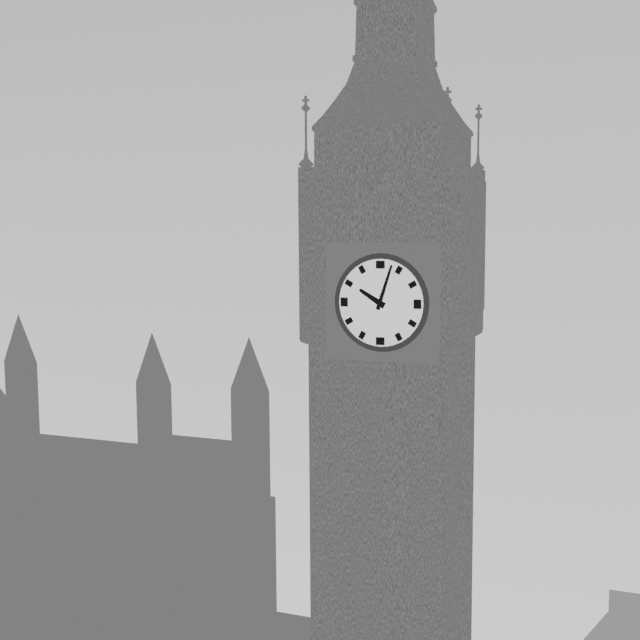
10h03
